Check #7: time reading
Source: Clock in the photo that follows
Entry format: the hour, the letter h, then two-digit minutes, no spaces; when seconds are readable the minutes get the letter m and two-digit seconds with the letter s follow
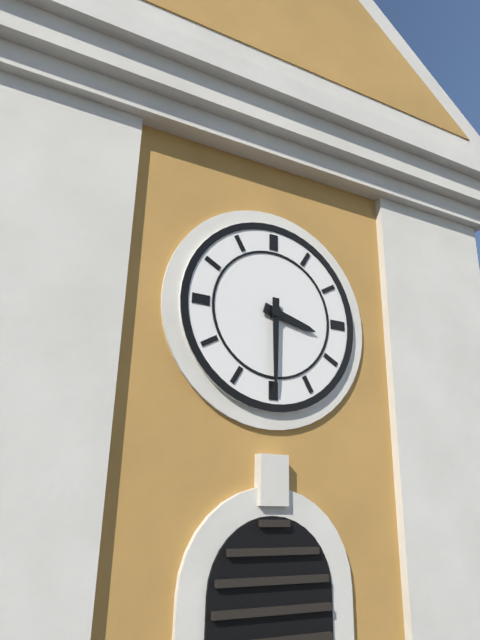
3h30
